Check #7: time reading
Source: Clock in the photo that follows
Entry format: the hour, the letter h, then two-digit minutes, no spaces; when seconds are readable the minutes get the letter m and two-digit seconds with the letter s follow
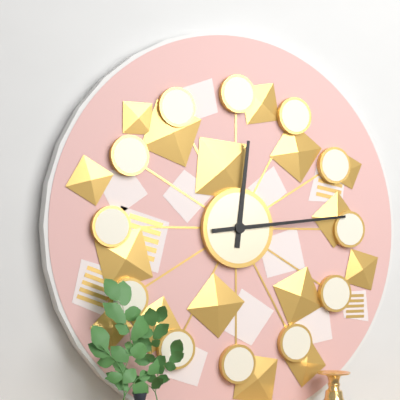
12h14
